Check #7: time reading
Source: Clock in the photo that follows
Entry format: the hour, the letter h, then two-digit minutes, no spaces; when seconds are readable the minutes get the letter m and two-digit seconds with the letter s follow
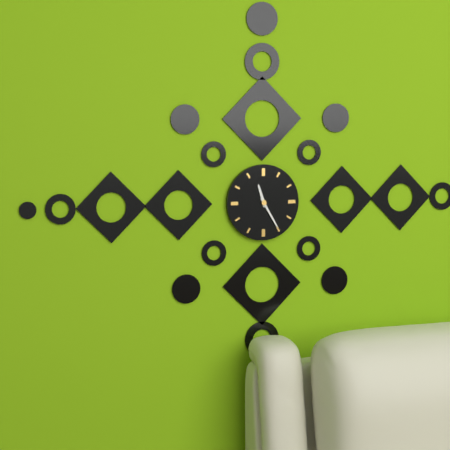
11h25
